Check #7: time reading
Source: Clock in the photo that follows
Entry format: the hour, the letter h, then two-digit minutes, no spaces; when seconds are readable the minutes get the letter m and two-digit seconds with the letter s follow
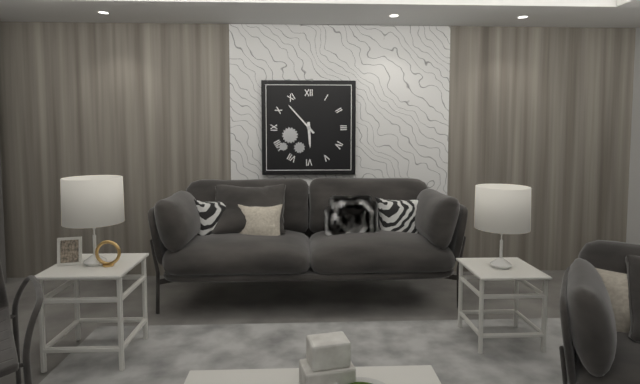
5h53
